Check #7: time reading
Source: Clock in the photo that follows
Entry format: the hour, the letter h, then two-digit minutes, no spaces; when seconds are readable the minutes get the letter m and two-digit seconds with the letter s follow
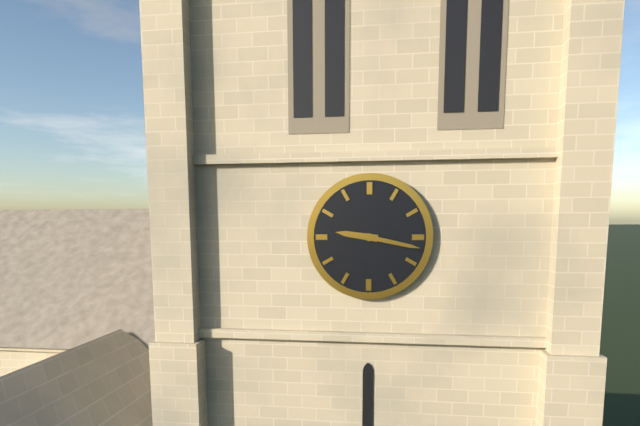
9h17
